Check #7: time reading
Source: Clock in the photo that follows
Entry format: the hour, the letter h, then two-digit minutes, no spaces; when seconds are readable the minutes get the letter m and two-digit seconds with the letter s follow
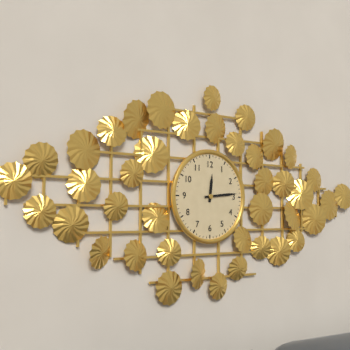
12h14
